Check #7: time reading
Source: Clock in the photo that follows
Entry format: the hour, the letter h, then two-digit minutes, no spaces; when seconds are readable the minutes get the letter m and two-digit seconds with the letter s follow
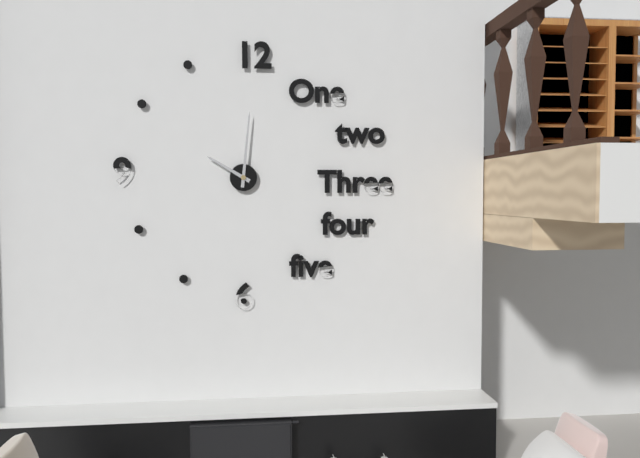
10h01
